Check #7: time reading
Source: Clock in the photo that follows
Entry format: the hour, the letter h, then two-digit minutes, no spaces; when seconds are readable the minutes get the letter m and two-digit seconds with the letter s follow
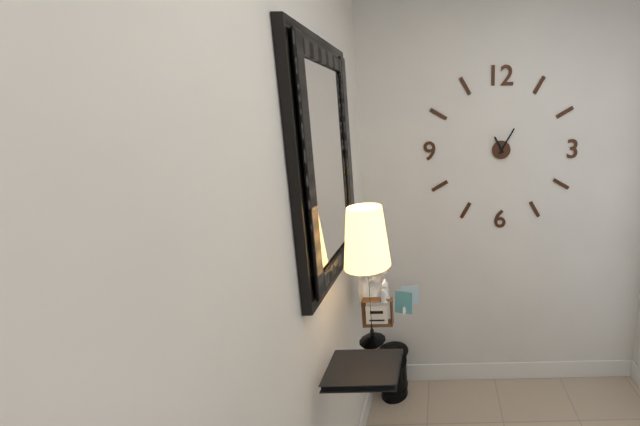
11h05
